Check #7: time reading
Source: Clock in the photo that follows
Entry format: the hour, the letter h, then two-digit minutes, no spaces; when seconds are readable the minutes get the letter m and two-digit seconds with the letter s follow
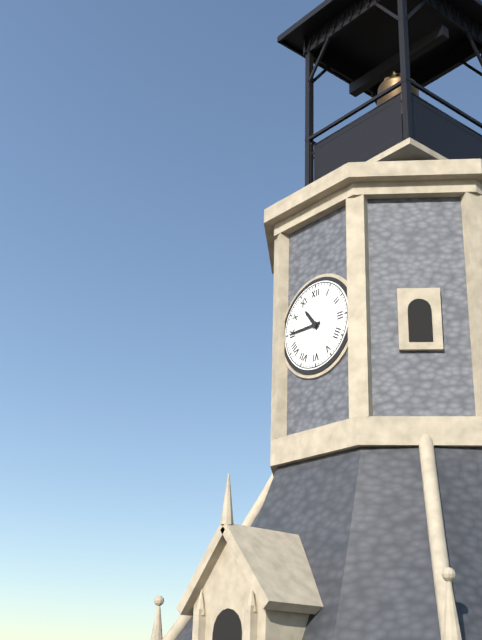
10h45
